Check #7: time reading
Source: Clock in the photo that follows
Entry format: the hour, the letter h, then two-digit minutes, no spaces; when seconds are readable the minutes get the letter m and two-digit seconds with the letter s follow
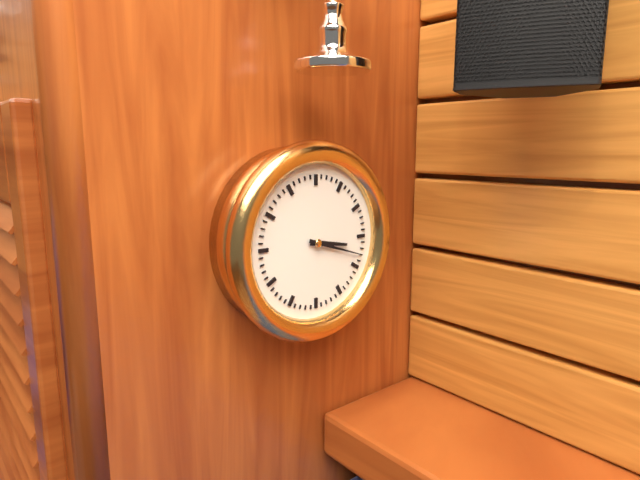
3h18
